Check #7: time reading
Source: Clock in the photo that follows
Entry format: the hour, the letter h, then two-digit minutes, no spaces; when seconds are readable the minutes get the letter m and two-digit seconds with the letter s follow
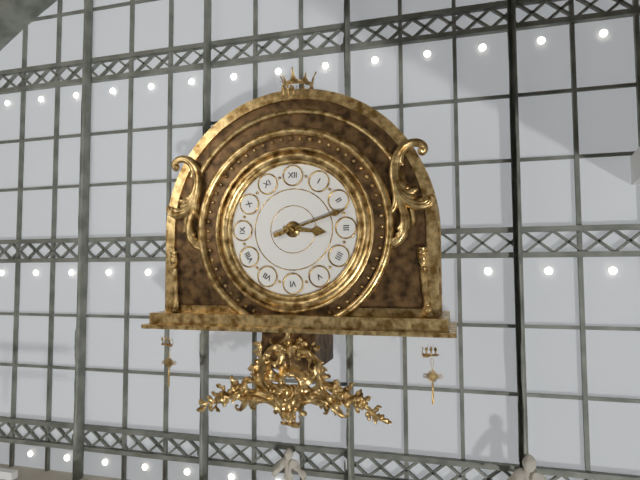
3h12
